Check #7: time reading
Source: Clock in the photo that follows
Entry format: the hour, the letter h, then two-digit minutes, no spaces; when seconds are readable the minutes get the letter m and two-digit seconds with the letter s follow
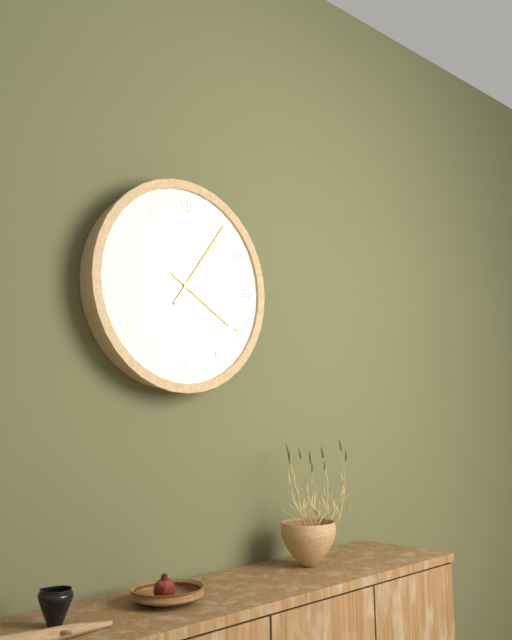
4h06
